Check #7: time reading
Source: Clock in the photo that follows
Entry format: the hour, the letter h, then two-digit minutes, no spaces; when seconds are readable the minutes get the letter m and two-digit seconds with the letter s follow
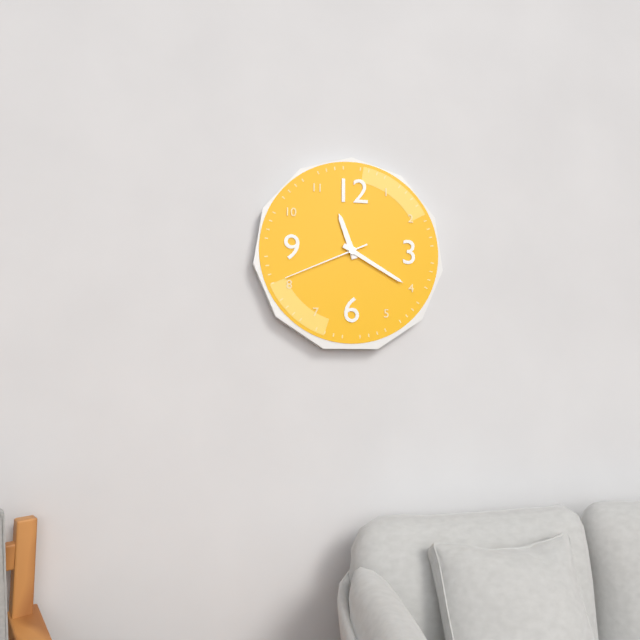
11h20m41s
